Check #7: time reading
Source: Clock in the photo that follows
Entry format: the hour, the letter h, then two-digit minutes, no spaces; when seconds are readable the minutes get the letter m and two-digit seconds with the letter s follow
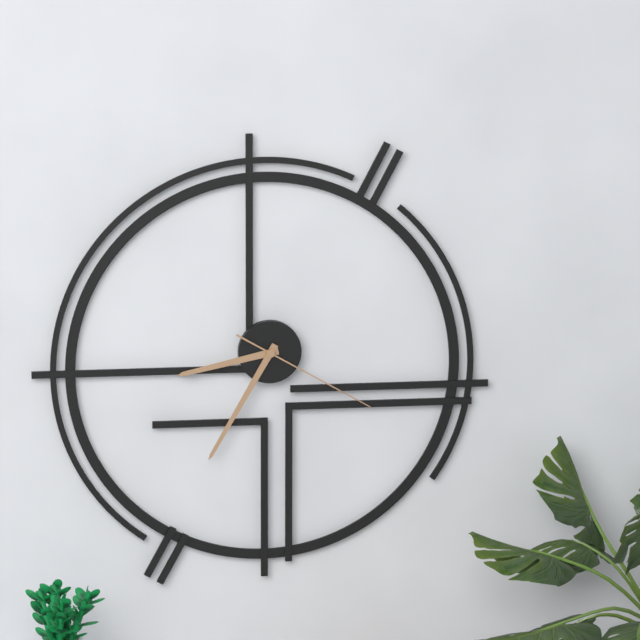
8h35m20s
